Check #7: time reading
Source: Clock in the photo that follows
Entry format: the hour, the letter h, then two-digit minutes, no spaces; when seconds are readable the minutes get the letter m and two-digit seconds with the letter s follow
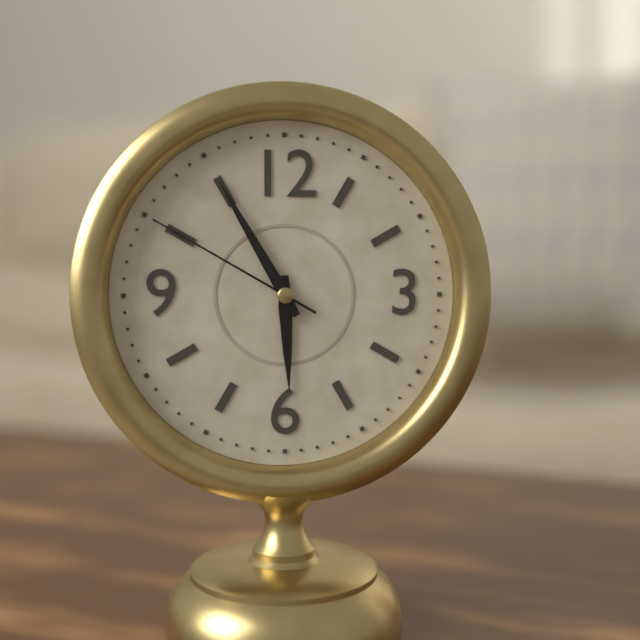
5h55m50s
